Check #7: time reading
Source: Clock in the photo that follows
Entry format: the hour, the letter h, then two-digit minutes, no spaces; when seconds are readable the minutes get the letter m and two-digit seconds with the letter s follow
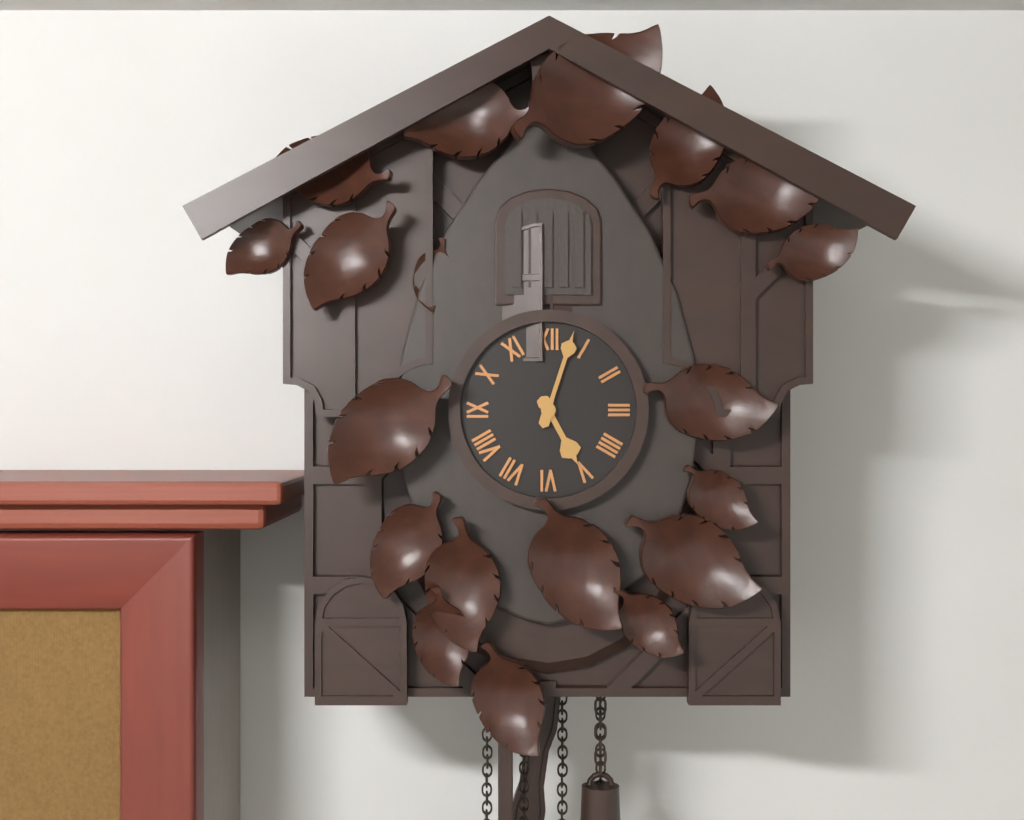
5h03
